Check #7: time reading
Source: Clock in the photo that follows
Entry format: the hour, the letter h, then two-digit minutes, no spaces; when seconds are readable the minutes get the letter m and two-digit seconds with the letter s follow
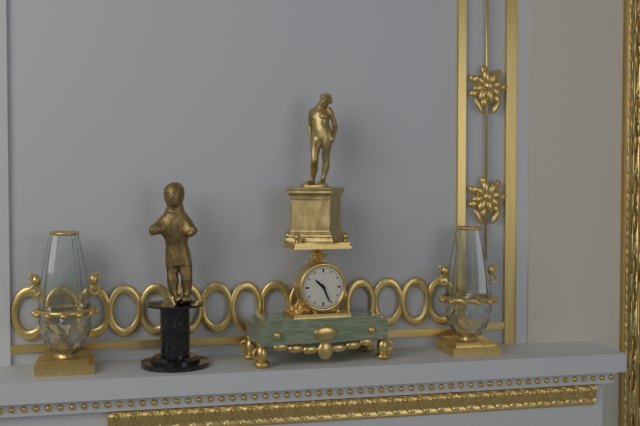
10h26
